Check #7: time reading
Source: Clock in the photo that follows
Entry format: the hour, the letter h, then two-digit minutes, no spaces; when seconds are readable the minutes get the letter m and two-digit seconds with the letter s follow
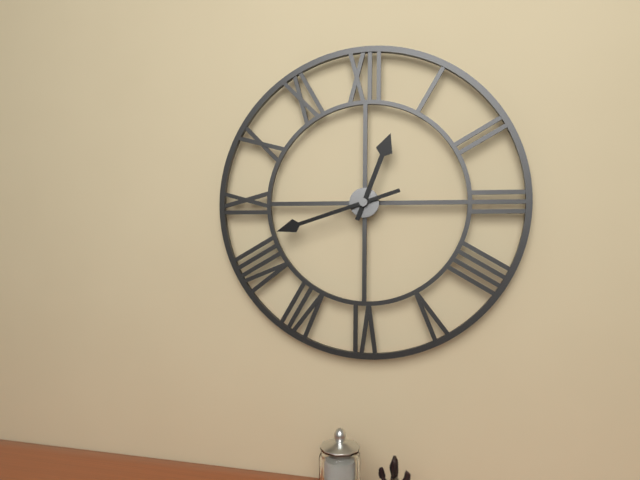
12h42
